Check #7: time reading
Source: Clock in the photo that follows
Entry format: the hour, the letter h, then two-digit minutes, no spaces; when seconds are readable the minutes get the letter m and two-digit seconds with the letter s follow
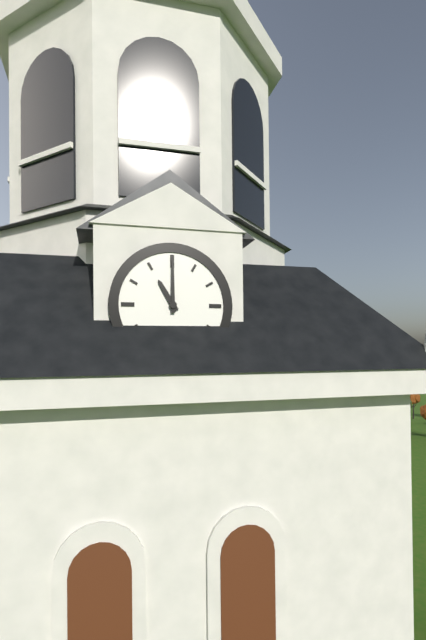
11h00
